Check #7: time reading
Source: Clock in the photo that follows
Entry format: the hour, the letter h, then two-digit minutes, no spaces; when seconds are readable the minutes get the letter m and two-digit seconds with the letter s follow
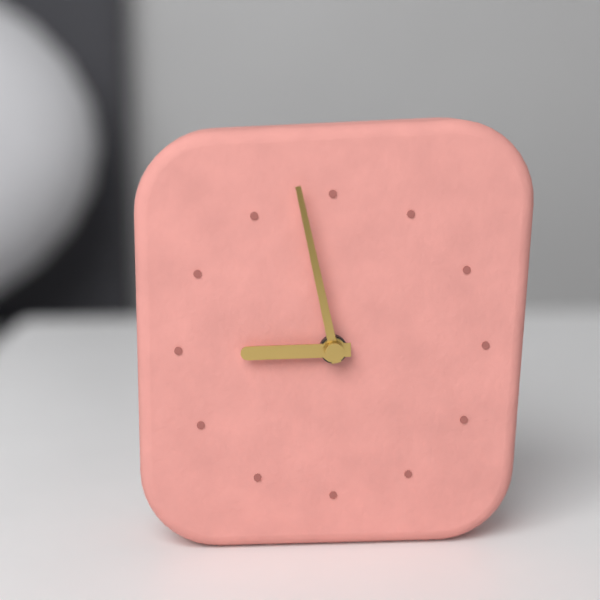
8h58
